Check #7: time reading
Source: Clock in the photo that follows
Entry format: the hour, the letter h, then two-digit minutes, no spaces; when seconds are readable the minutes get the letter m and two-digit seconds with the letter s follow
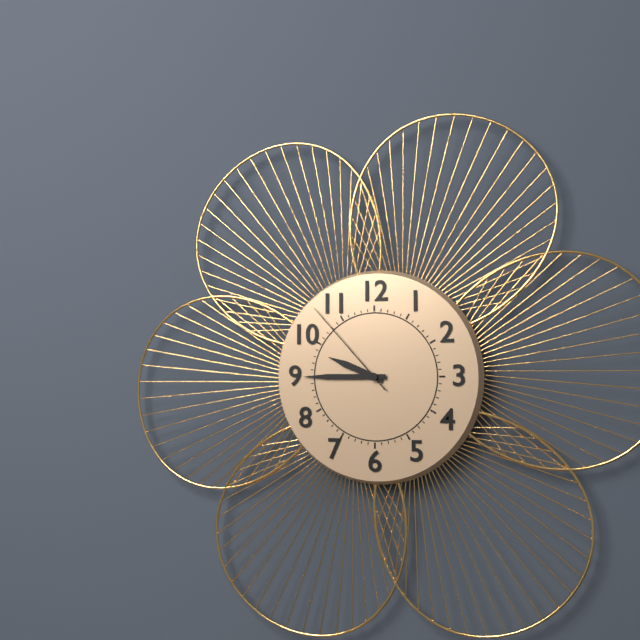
9h45m53s
